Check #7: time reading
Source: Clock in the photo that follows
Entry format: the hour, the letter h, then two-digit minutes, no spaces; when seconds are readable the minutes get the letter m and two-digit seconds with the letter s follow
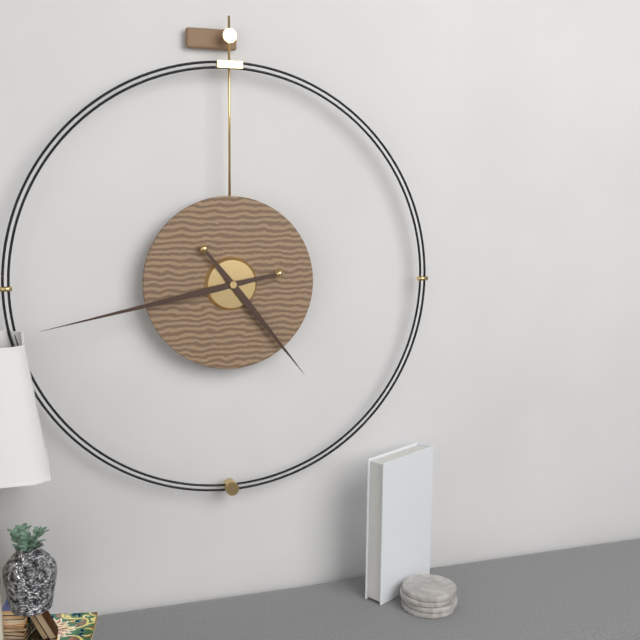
4h43
